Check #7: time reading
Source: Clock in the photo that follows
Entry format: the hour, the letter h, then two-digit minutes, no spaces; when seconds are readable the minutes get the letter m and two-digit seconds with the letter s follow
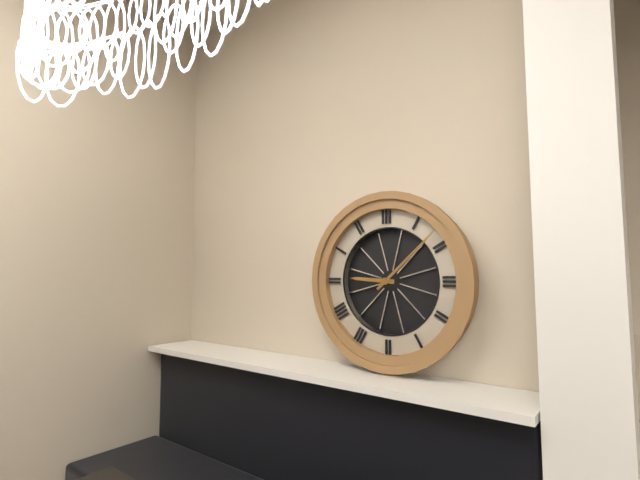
9h08
